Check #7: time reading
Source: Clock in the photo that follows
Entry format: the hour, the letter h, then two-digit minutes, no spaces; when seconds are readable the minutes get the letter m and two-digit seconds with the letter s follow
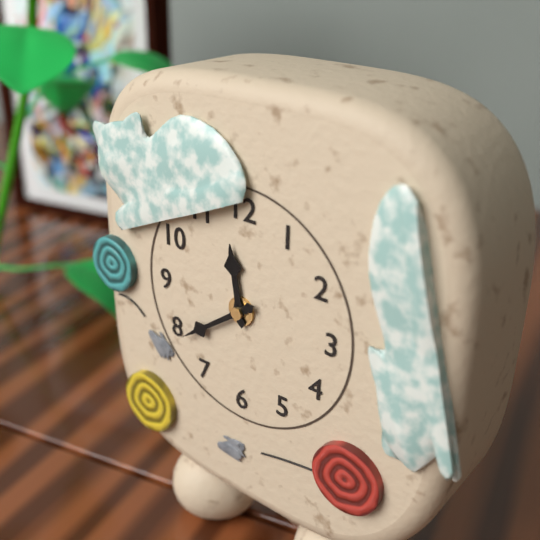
11h39
